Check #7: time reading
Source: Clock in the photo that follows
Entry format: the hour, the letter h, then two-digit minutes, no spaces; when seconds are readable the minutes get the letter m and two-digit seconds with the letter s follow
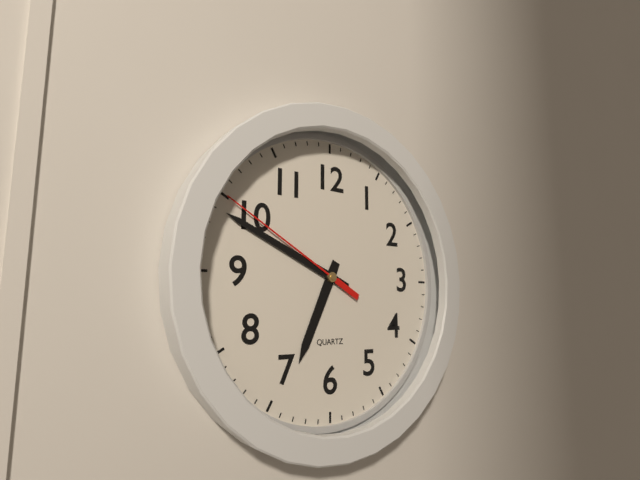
6h49m50s
